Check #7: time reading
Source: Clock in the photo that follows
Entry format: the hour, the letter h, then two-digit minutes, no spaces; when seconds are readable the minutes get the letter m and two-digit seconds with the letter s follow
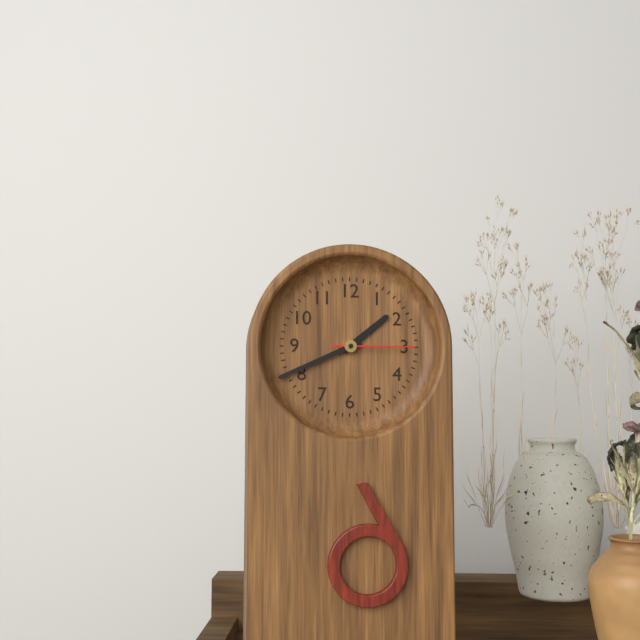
1h41m15s
